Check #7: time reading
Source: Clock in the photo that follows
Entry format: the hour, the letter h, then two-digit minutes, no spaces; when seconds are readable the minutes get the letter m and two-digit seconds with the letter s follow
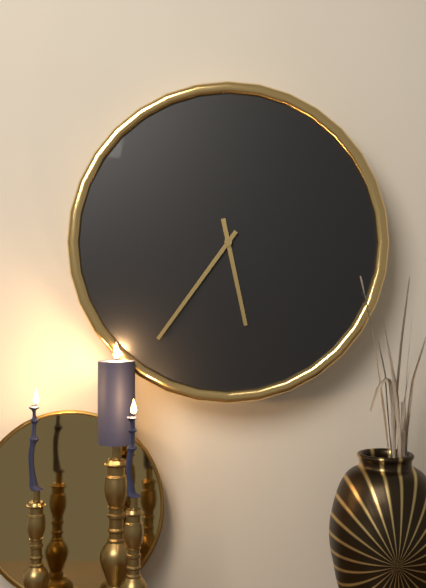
5h36
